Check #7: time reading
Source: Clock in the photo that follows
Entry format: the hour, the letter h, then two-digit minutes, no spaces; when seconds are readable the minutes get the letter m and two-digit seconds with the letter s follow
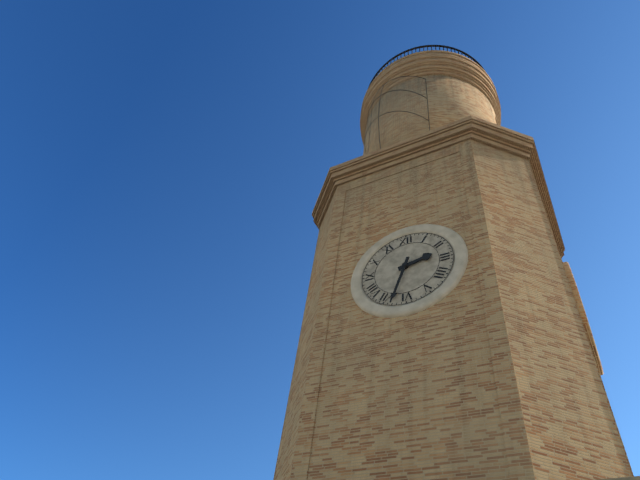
2h33
